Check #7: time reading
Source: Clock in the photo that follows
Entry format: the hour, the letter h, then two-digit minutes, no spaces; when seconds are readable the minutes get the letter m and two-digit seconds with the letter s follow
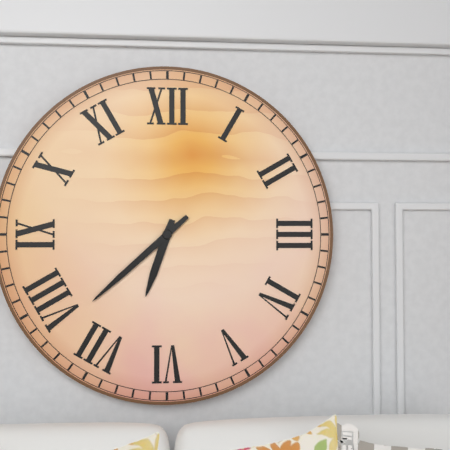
6h38
